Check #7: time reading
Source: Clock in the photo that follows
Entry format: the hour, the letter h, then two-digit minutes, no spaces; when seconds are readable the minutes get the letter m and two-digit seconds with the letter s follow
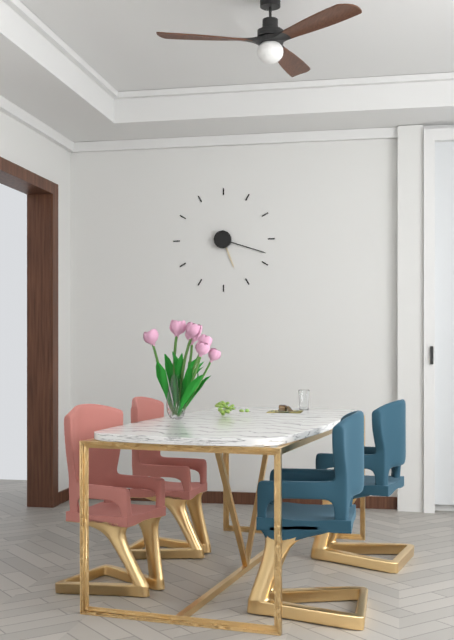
5h18
